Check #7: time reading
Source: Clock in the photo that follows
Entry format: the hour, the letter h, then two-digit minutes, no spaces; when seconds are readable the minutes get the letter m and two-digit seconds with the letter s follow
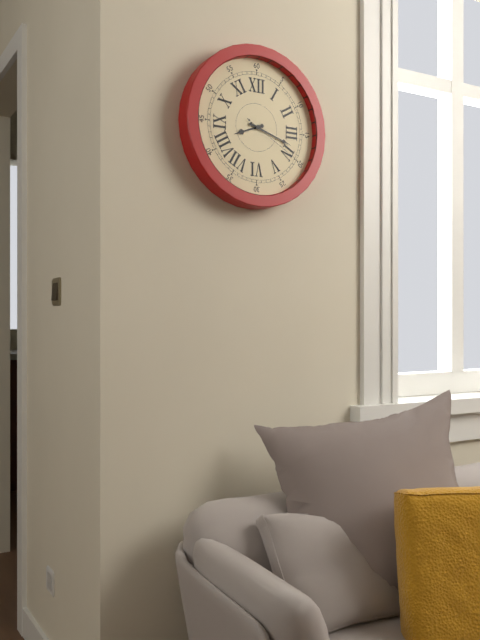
8h18m20s
